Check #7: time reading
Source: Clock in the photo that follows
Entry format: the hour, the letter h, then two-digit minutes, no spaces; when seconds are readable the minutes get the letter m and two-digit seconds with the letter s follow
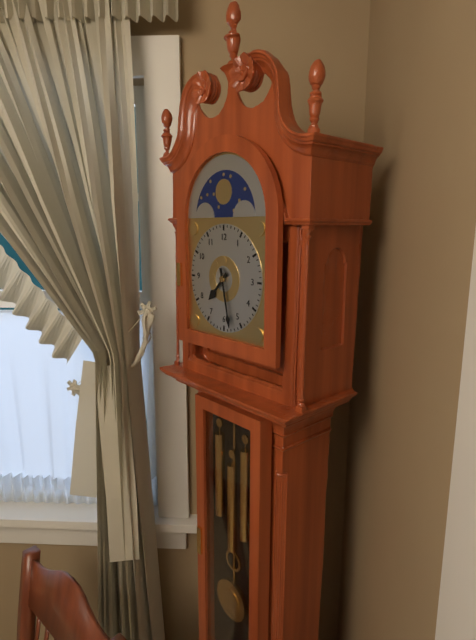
7h28
